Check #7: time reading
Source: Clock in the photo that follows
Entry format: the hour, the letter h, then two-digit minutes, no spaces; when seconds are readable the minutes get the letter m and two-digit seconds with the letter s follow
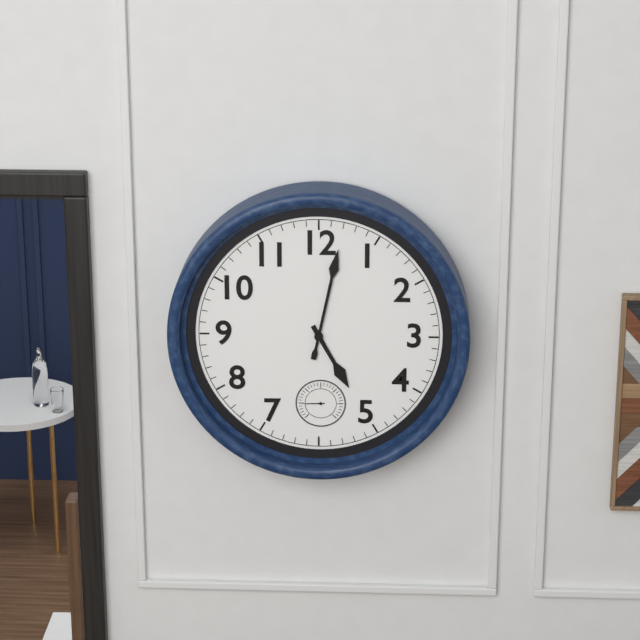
5h02
